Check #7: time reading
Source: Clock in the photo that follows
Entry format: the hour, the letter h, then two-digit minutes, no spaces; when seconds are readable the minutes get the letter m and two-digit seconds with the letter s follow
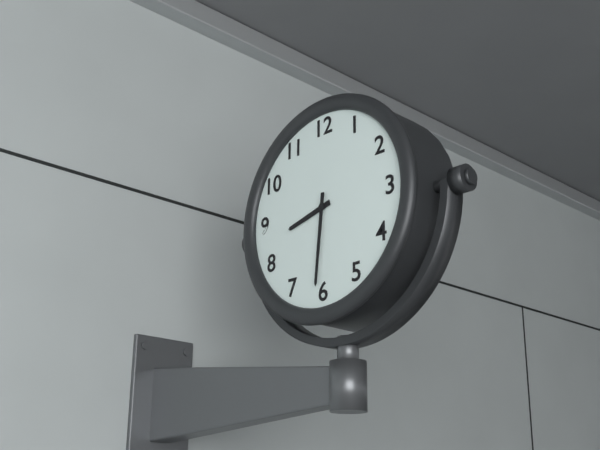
8h31
